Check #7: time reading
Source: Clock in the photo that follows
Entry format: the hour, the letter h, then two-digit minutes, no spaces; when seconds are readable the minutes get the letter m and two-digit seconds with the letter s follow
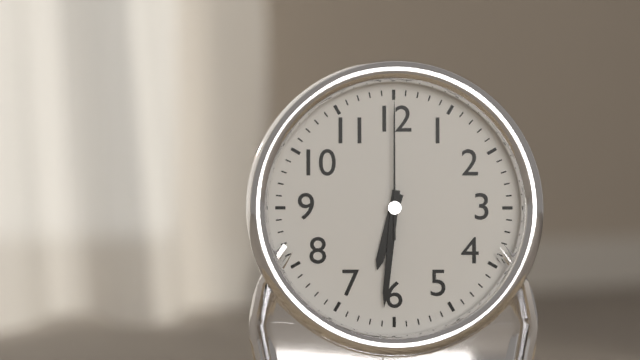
6h31m00s
